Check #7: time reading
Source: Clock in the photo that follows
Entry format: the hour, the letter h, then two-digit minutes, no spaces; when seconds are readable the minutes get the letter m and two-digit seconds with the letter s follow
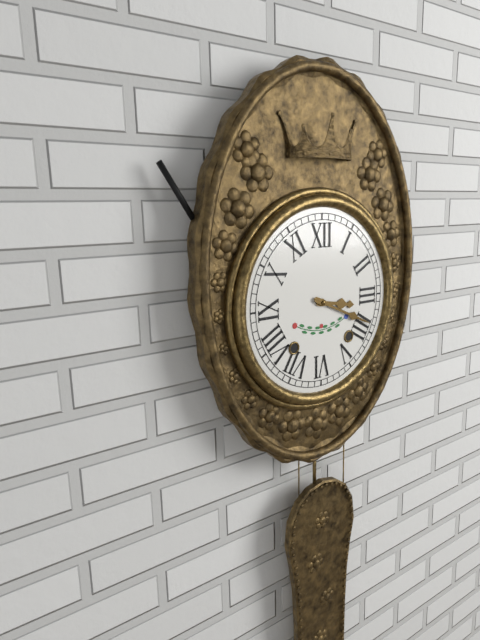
3h19
